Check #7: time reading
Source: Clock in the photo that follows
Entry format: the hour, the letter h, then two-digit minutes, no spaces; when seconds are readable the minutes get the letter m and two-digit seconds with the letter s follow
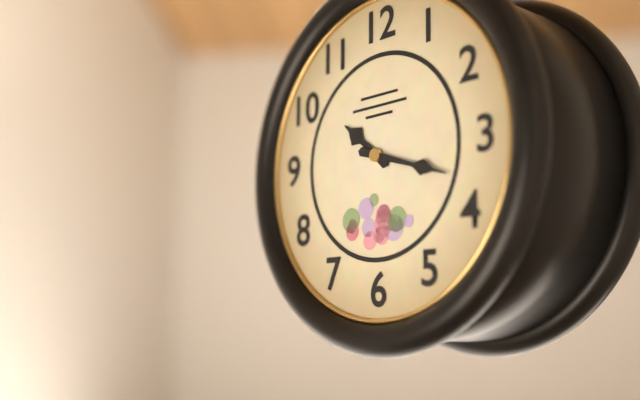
10h18
